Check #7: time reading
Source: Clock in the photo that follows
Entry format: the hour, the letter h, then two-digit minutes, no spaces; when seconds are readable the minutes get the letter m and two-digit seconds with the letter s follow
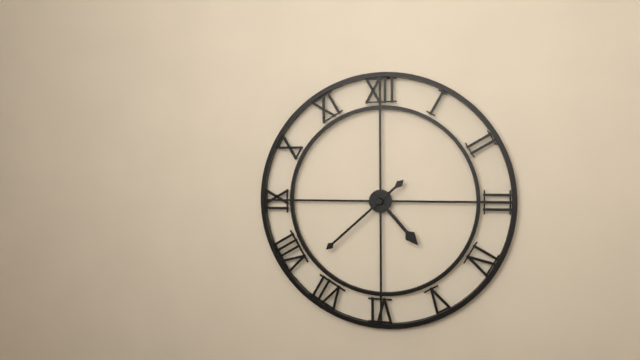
4h38
